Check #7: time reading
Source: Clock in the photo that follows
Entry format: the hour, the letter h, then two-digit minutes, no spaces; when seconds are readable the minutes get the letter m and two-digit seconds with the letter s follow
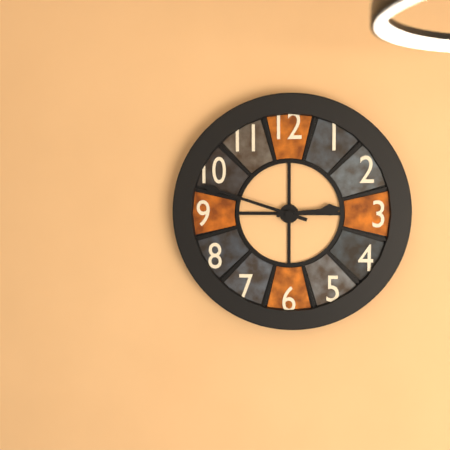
2h48
